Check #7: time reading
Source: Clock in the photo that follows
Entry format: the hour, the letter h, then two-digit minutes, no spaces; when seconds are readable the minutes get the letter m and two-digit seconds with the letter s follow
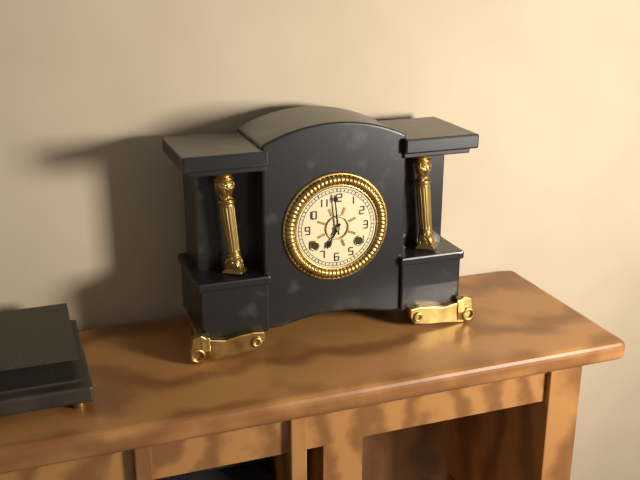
6h59
